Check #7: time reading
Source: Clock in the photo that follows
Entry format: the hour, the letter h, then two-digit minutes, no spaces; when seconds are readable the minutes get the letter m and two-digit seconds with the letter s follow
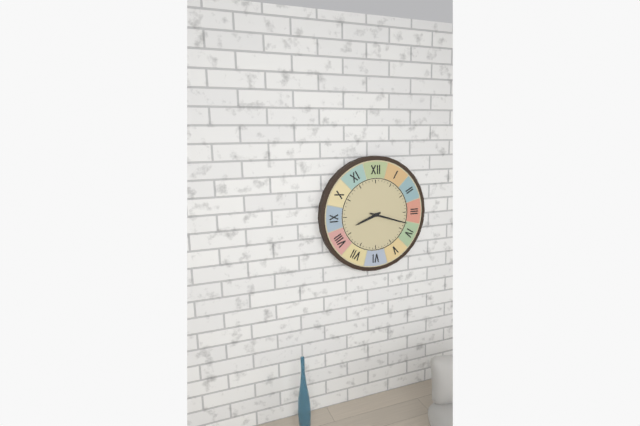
8h18
